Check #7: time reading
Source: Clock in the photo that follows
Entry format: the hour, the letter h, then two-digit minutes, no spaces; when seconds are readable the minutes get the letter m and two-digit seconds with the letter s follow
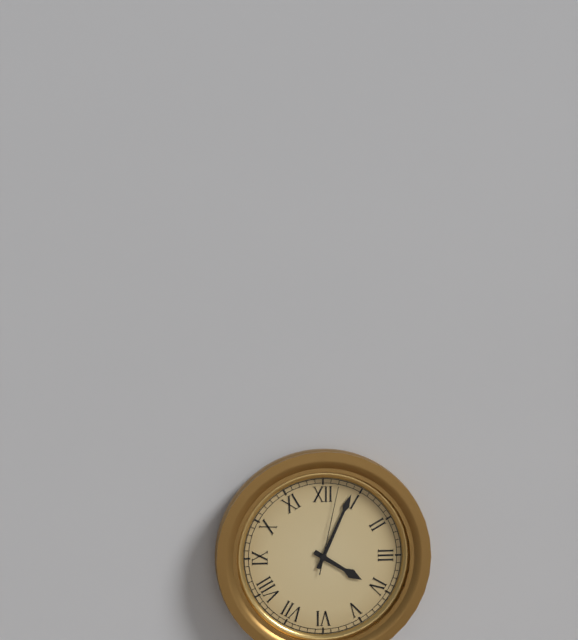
4h04m02s
